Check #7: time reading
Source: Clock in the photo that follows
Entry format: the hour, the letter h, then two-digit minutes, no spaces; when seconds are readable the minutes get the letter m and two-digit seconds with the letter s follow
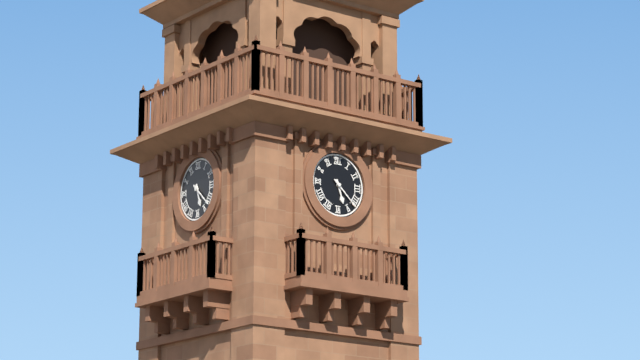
5h22
